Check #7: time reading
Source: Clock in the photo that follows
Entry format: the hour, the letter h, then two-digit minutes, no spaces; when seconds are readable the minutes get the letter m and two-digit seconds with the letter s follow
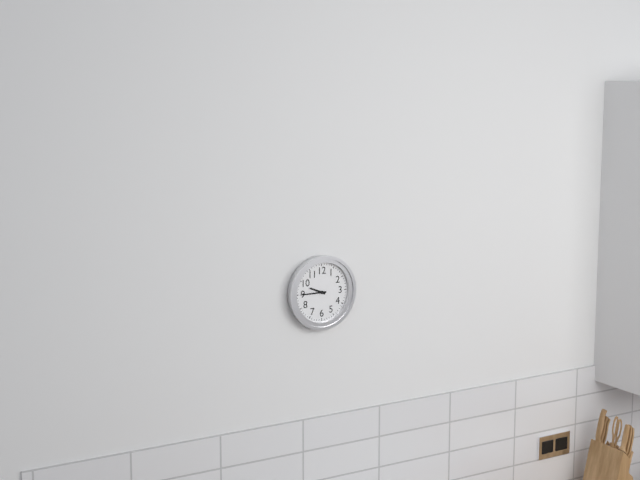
9h45
